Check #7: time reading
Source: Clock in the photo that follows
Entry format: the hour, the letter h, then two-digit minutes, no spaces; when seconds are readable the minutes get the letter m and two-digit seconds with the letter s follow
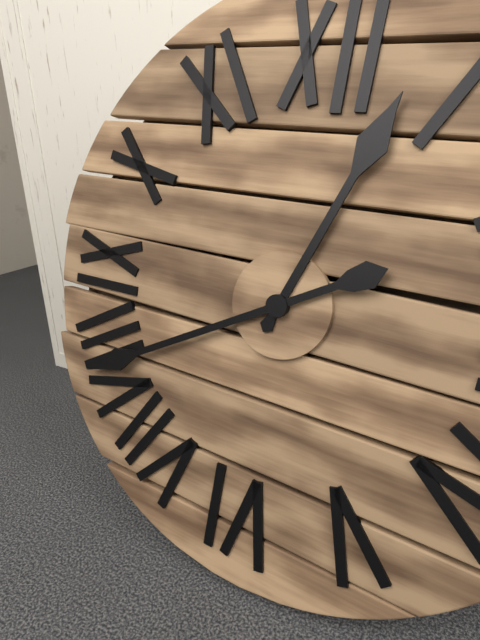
12h40
